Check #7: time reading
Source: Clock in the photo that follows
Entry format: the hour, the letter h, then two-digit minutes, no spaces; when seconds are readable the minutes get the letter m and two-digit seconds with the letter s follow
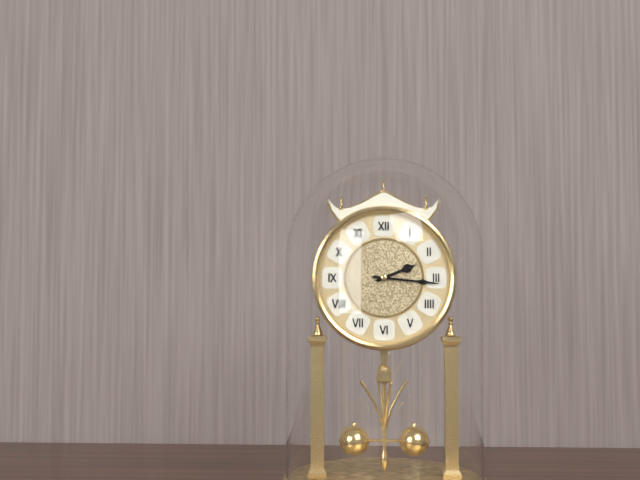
2h16
